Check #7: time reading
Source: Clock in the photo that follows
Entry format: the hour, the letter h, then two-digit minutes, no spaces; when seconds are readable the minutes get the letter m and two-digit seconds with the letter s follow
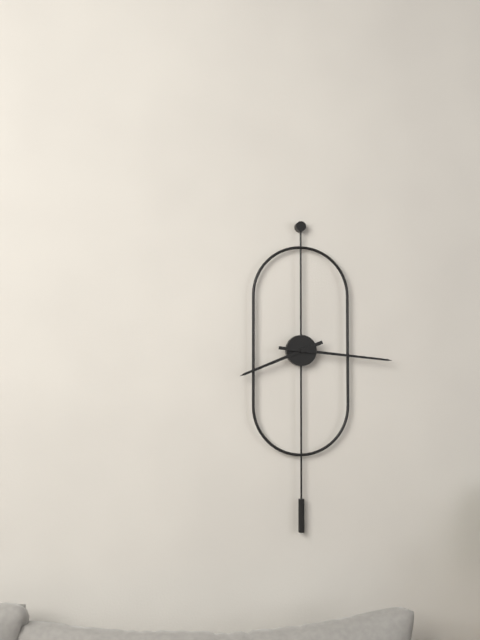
8h16
